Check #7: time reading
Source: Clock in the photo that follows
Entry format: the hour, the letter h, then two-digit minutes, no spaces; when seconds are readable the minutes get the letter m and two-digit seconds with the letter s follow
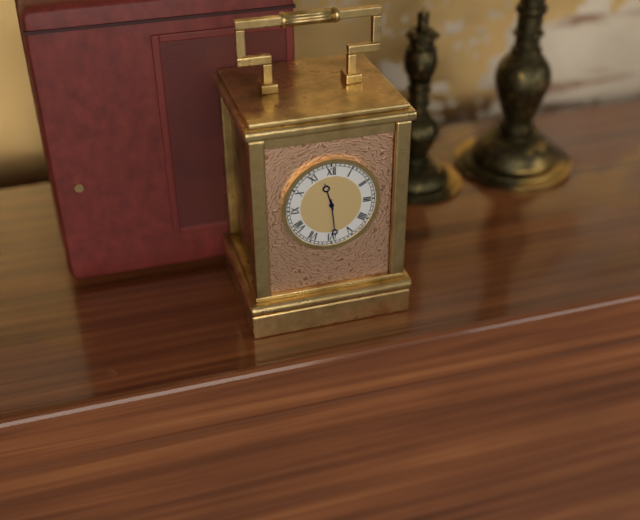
11h29
